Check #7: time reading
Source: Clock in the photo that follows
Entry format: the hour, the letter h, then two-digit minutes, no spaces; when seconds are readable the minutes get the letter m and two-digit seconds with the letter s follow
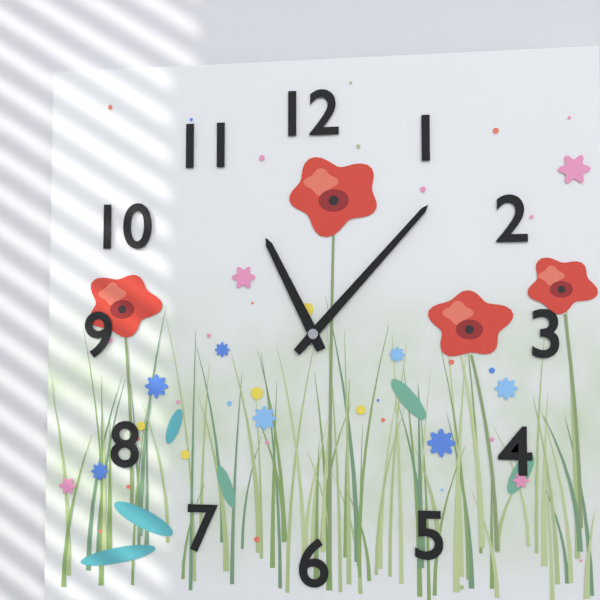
11h07
